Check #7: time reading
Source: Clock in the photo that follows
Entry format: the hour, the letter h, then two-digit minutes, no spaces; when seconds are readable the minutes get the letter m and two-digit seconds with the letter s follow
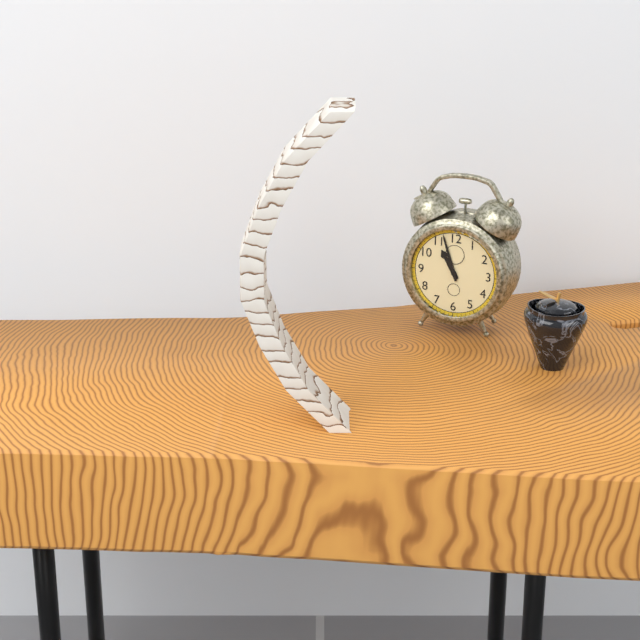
10h57
